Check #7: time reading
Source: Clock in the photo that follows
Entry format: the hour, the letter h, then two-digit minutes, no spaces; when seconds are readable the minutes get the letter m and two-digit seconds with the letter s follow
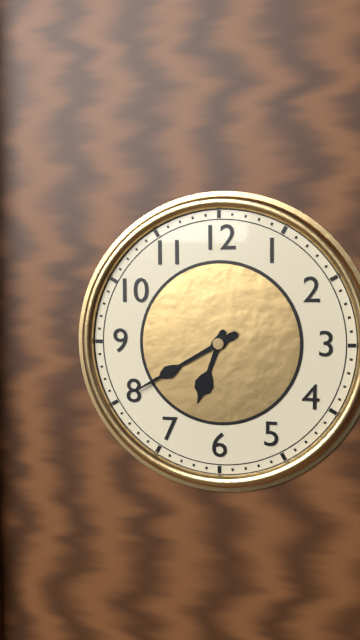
6h40
